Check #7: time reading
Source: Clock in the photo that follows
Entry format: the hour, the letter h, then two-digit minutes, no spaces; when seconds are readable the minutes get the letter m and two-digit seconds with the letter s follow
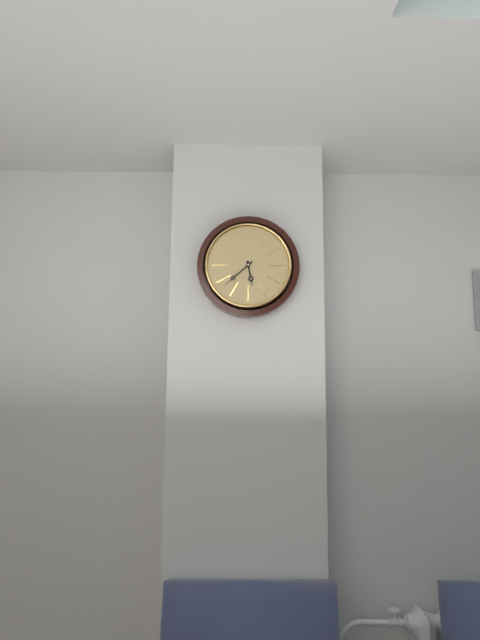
5h38
